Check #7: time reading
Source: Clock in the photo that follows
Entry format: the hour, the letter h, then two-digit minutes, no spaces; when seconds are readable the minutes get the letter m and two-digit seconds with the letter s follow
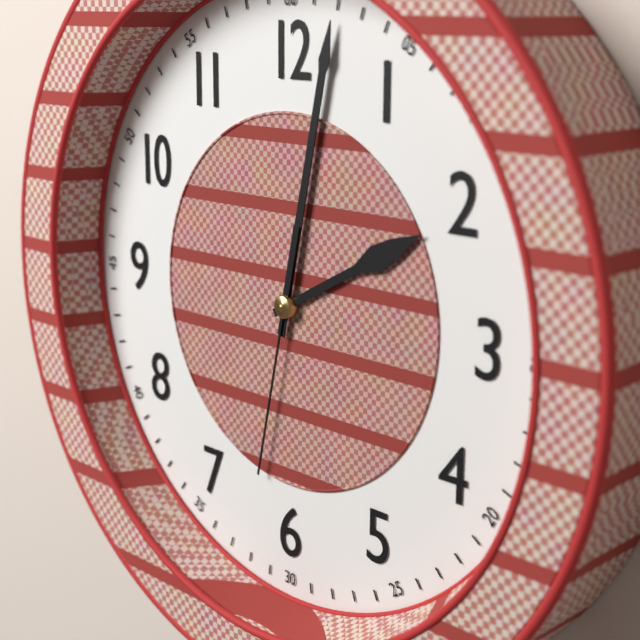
2h02m32s
